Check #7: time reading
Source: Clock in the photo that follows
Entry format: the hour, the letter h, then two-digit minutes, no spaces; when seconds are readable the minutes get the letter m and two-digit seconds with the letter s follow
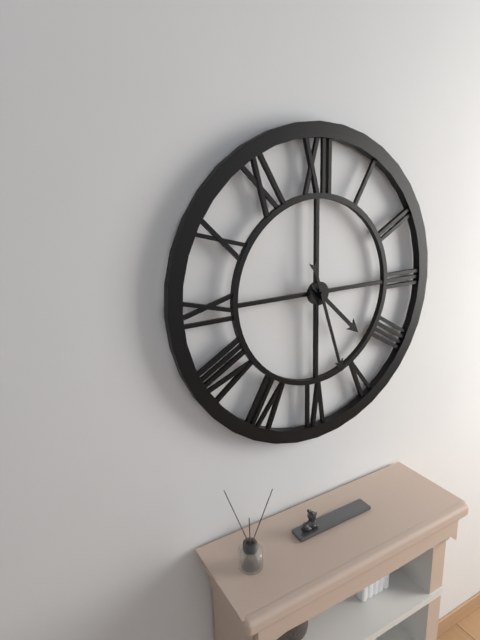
4h27
